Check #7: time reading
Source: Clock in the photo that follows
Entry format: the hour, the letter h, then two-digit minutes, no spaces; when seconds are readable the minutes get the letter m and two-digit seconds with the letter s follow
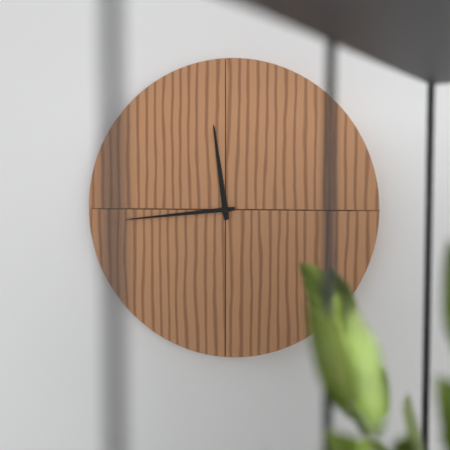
11h44
